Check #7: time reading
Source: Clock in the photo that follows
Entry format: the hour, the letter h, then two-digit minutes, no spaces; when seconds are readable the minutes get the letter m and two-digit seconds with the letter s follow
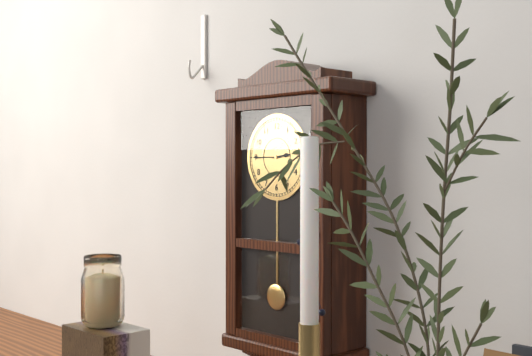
2h45
